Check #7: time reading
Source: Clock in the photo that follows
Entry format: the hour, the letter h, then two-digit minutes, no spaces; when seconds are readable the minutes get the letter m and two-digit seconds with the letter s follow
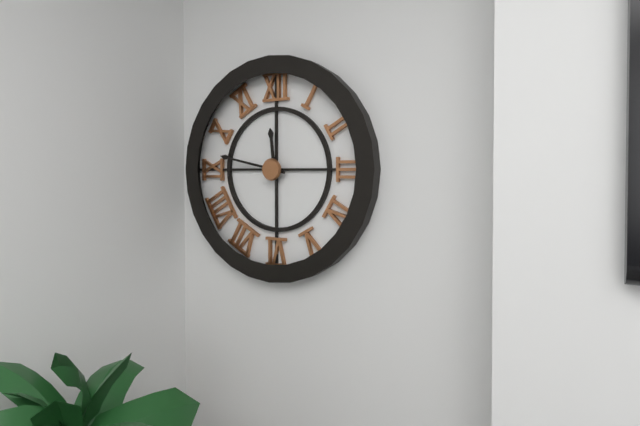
11h47
